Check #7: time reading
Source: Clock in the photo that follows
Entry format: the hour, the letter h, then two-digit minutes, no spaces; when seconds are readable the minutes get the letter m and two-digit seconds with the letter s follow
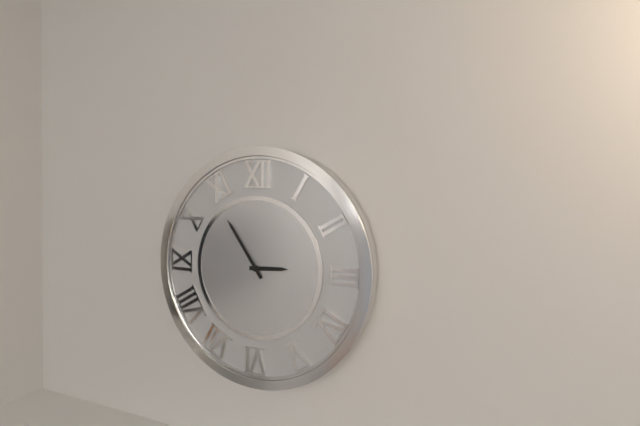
2h54
